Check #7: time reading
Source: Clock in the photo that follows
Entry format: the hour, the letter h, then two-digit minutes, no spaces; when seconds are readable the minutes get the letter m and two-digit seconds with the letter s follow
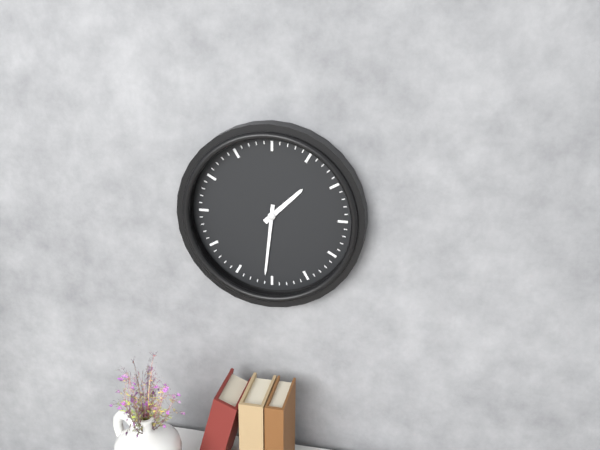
1h31
